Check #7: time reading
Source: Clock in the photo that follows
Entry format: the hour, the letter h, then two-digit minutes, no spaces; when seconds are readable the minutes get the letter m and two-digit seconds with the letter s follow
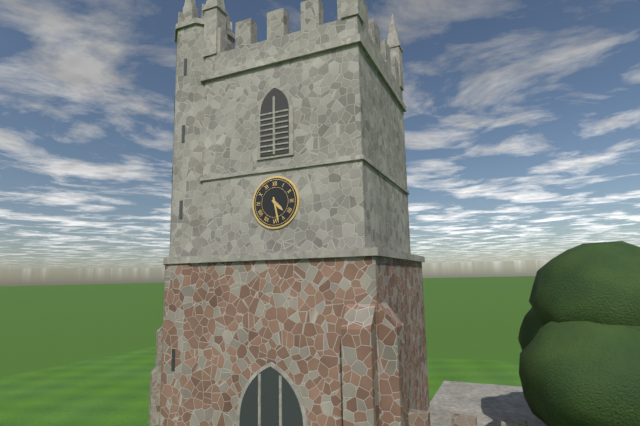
4h28
